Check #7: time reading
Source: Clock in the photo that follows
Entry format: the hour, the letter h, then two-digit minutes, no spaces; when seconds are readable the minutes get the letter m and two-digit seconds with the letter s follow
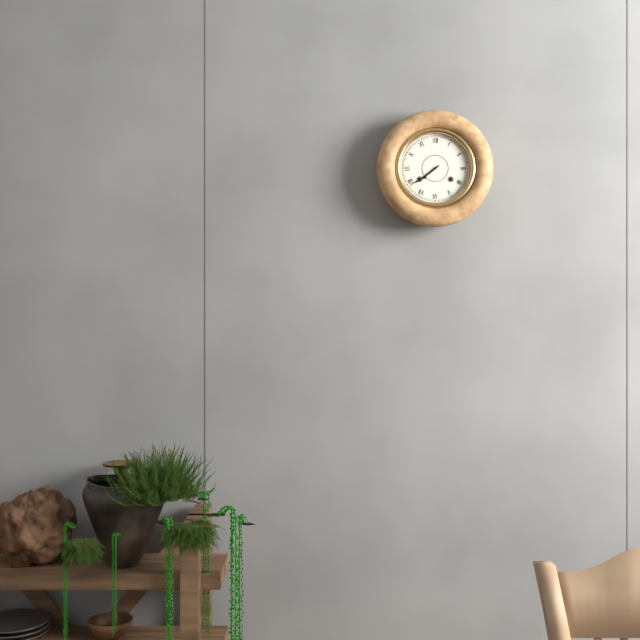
7h39
